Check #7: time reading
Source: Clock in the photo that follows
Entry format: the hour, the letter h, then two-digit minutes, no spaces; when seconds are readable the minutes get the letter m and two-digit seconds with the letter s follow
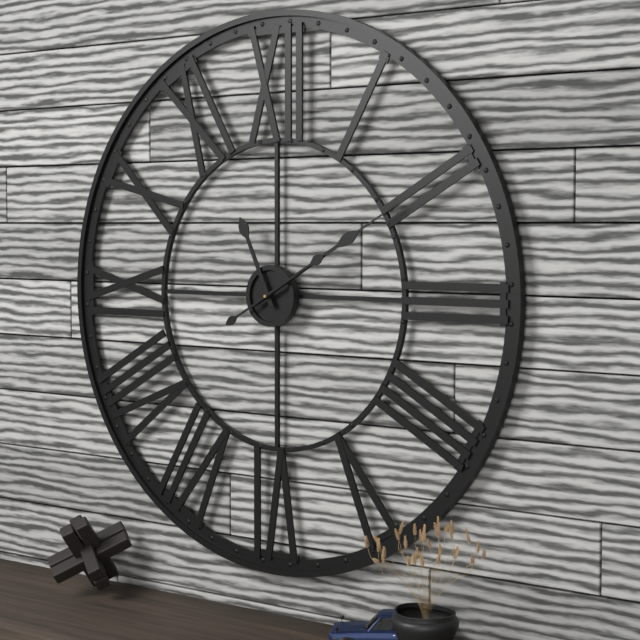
11h10m10s
